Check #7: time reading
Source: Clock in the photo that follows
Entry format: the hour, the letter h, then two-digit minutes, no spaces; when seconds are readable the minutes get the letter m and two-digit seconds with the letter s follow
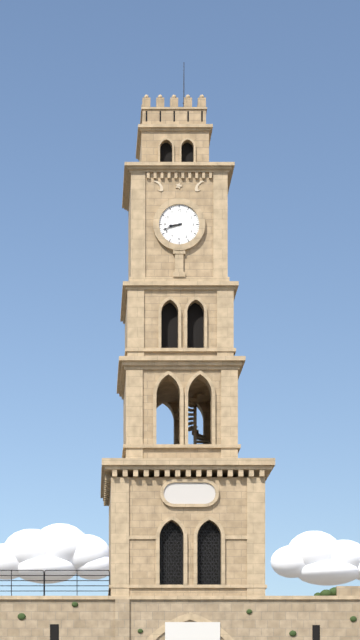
8h42
